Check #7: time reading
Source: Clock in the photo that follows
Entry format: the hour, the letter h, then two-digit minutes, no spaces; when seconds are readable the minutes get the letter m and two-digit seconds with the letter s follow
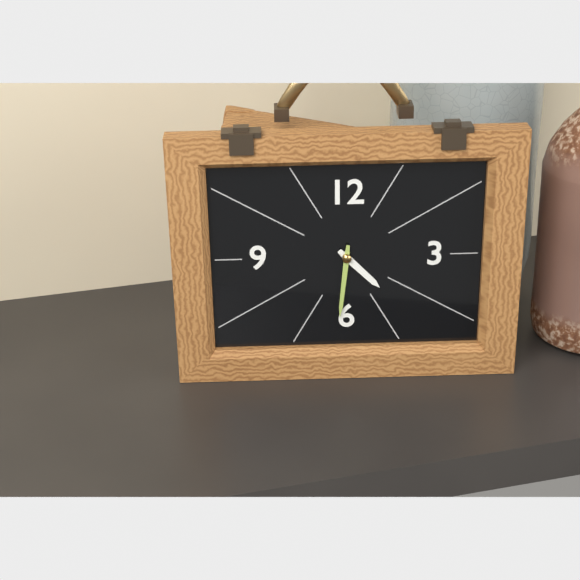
4h31
